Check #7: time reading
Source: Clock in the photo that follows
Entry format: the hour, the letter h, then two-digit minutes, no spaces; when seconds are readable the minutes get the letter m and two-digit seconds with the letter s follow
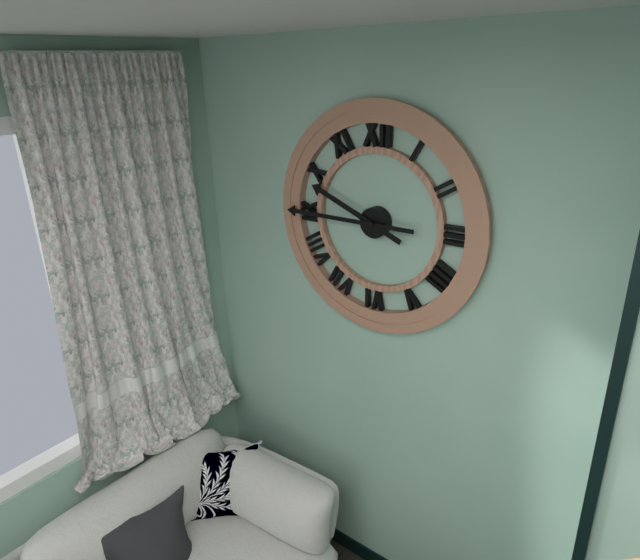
9h45
